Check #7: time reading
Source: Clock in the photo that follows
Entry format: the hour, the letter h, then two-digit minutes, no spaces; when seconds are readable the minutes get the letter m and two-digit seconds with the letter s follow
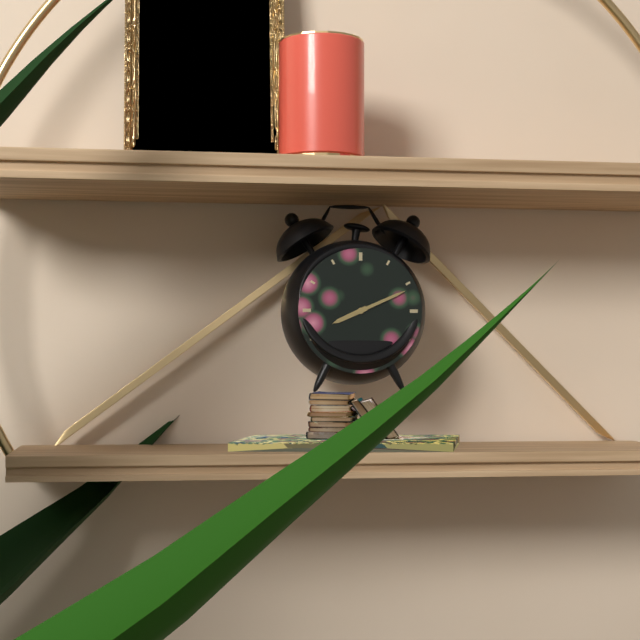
8h11
